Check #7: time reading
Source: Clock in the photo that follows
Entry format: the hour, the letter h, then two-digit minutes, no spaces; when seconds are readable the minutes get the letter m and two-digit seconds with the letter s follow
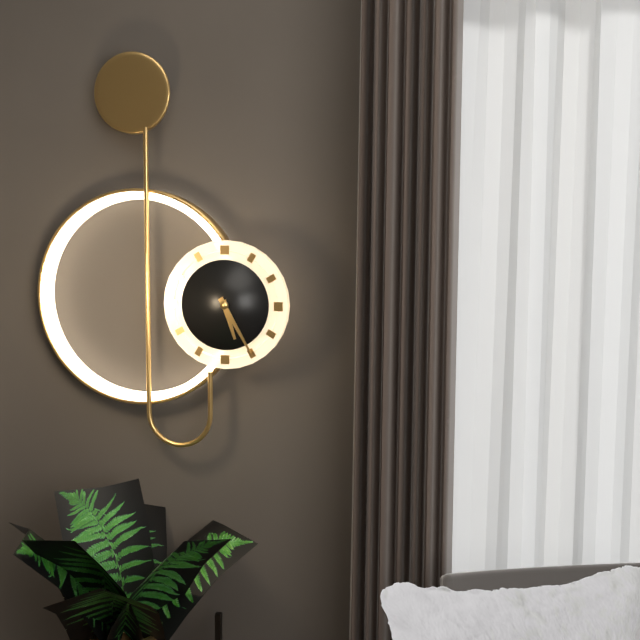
5h25
